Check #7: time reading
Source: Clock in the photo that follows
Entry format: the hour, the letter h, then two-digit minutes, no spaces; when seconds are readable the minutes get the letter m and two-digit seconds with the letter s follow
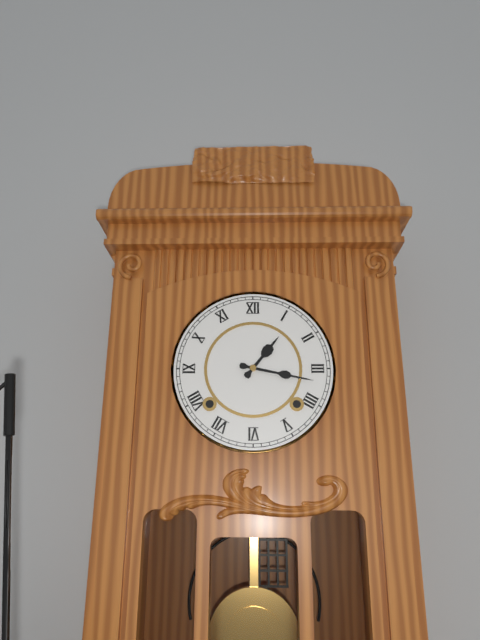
1h17
